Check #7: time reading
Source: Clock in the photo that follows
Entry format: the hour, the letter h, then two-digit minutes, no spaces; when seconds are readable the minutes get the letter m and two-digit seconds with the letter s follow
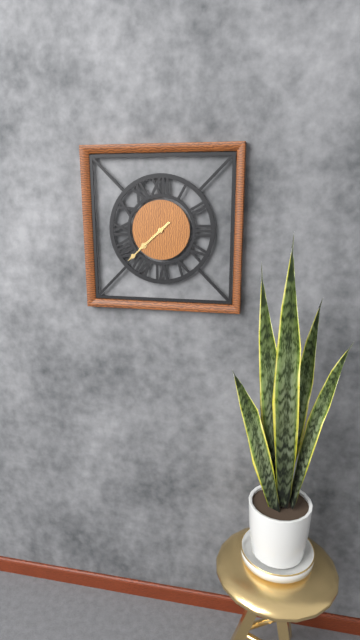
7h38
